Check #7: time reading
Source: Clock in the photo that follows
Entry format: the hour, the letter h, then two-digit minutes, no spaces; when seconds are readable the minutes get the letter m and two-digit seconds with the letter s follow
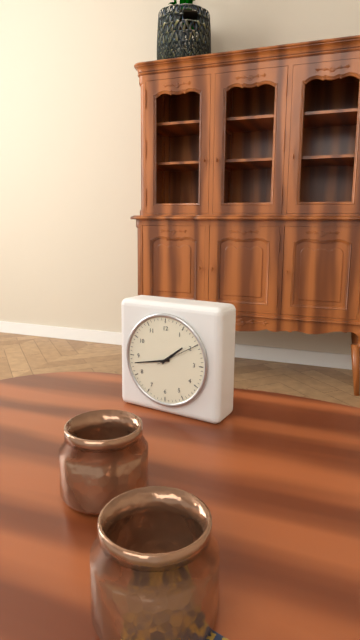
1h43
